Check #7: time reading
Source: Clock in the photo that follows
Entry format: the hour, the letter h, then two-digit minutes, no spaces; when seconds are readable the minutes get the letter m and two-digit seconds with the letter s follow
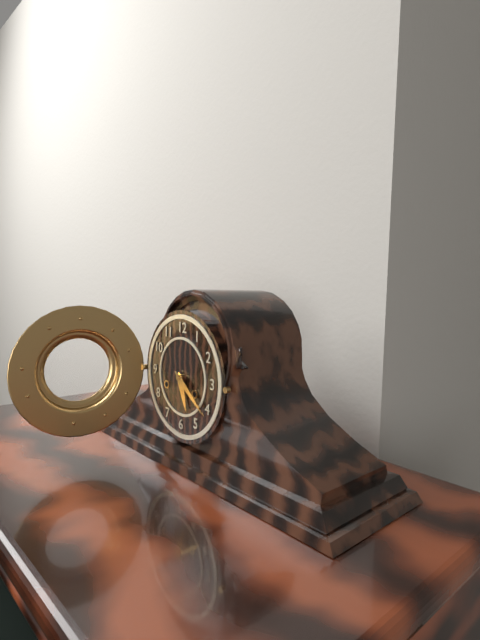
5h21
